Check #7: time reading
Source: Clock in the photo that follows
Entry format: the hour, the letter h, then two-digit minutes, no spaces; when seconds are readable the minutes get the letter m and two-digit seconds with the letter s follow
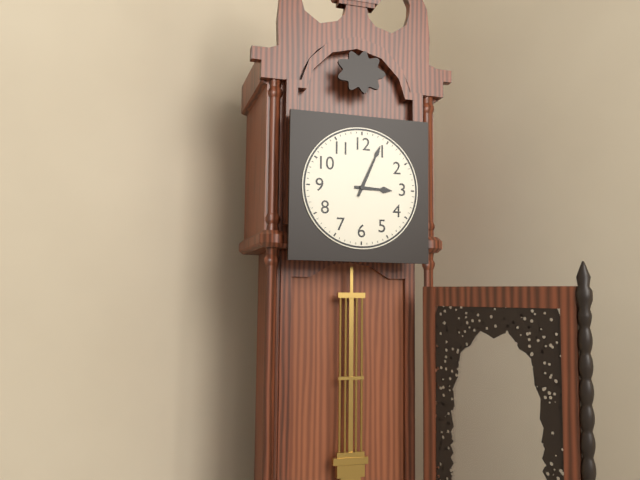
3h04
